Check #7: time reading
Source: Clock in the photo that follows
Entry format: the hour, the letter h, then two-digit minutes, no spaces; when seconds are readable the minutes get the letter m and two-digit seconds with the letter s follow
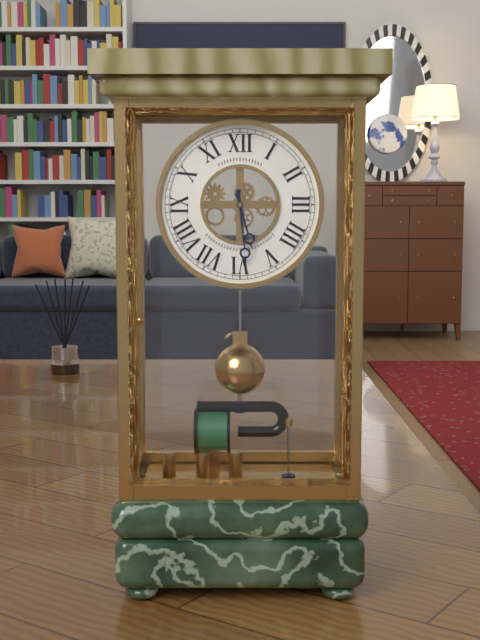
5h29
